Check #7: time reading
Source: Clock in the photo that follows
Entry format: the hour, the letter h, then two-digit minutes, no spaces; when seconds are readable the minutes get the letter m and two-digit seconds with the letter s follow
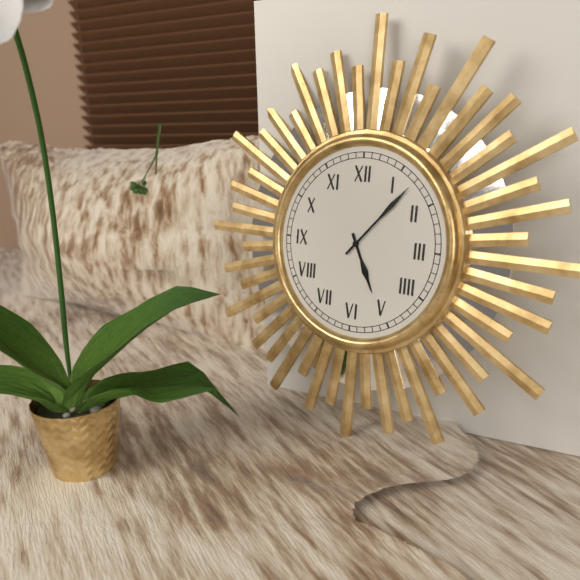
5h07
